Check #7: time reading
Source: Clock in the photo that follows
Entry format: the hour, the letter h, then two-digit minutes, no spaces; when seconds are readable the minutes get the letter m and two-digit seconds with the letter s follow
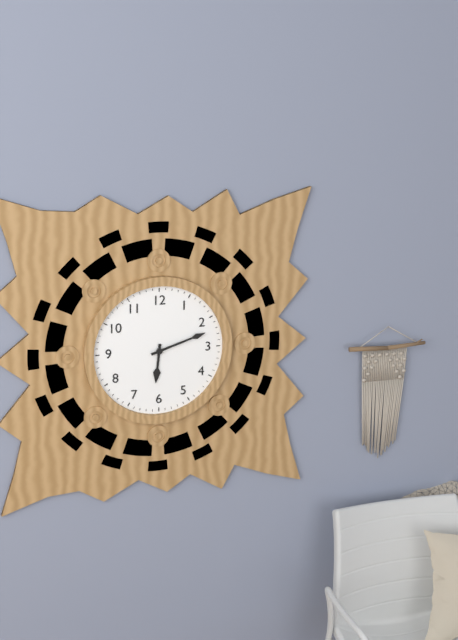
6h12
